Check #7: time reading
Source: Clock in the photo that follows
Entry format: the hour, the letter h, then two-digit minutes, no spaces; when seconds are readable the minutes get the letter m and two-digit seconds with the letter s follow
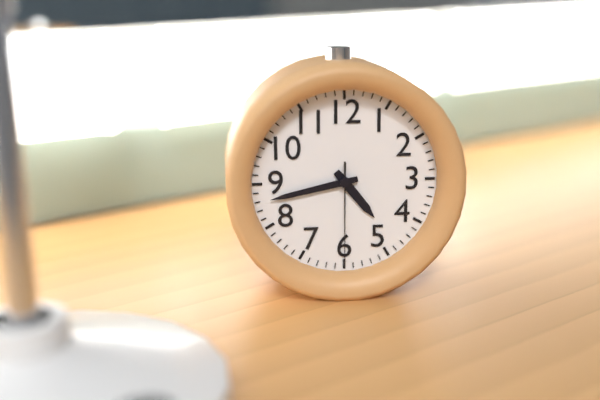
4h43m30s
